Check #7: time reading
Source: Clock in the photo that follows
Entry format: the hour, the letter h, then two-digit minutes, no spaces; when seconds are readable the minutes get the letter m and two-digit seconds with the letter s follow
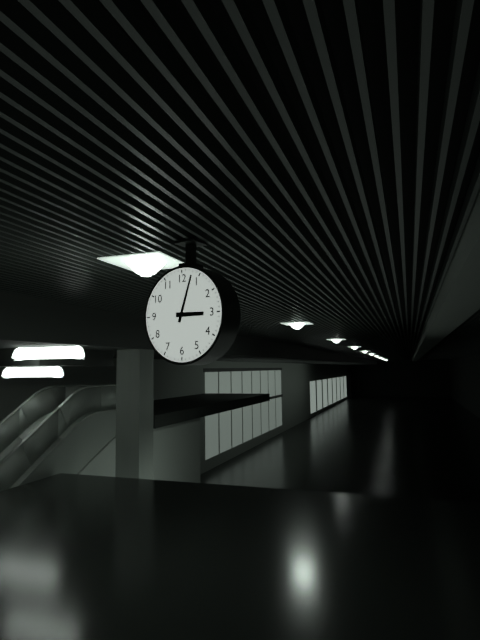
3h03
